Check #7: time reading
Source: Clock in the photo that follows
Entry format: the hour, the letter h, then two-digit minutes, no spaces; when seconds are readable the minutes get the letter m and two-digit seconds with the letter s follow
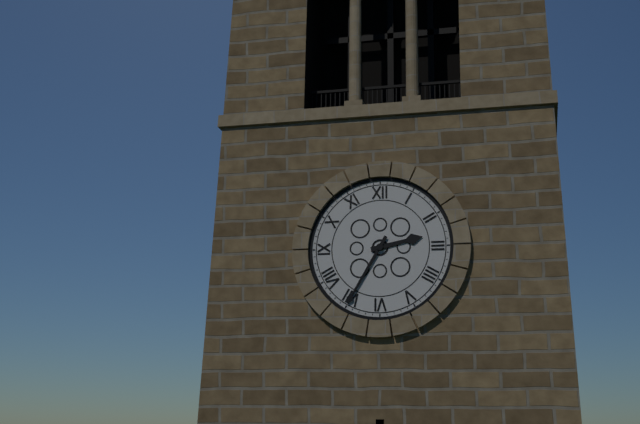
2h35
